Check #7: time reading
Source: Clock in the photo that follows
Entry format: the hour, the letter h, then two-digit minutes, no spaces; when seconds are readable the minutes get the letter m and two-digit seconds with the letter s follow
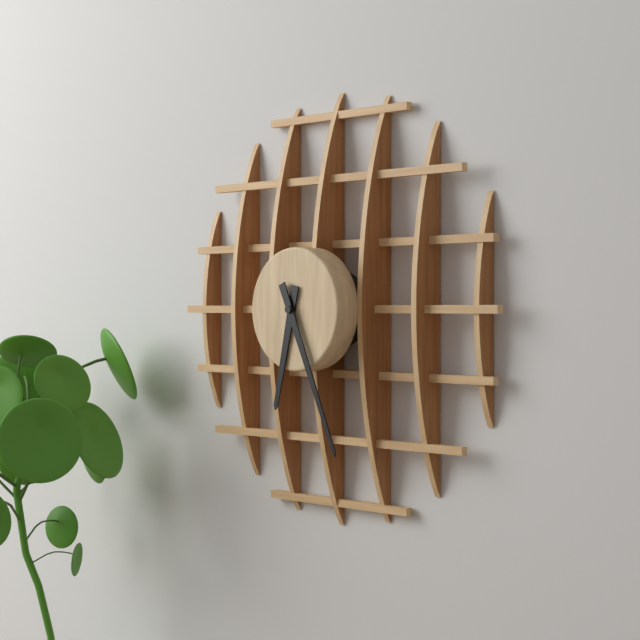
6h26
